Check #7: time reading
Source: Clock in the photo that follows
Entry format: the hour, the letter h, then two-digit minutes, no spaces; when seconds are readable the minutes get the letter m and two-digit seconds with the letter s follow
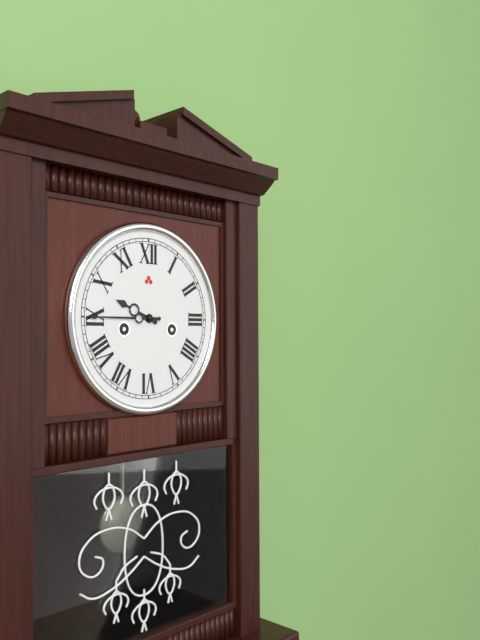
9h45
